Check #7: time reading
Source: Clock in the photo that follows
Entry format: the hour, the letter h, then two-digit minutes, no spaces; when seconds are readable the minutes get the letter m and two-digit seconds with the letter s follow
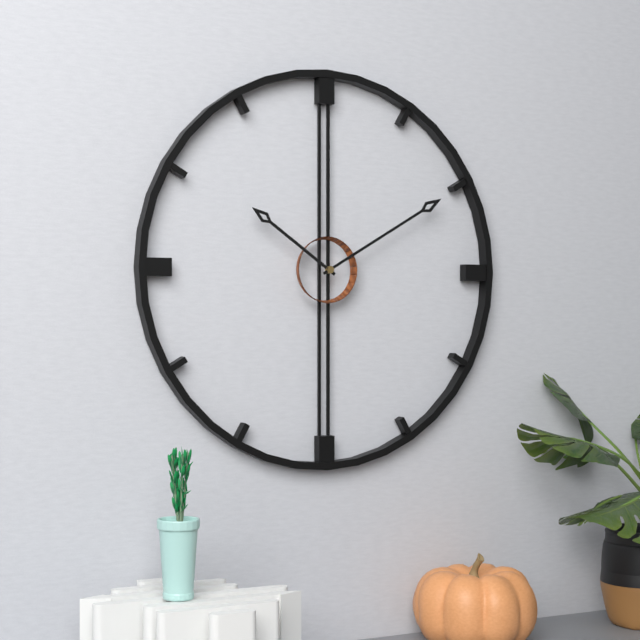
10h10
